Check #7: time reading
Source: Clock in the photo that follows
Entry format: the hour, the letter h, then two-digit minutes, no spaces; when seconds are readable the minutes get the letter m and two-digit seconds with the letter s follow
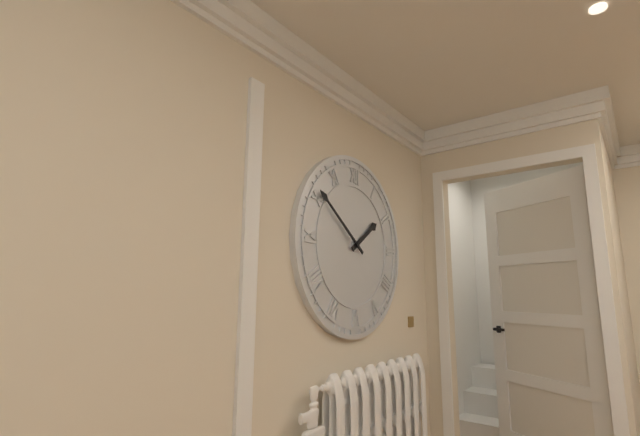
1h51
